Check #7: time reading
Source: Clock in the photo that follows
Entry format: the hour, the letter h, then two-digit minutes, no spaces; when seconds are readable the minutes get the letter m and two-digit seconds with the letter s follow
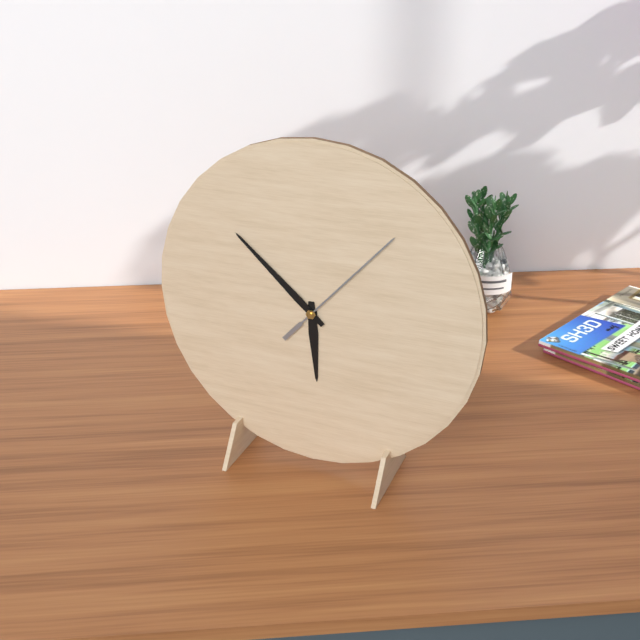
5h52m07s
